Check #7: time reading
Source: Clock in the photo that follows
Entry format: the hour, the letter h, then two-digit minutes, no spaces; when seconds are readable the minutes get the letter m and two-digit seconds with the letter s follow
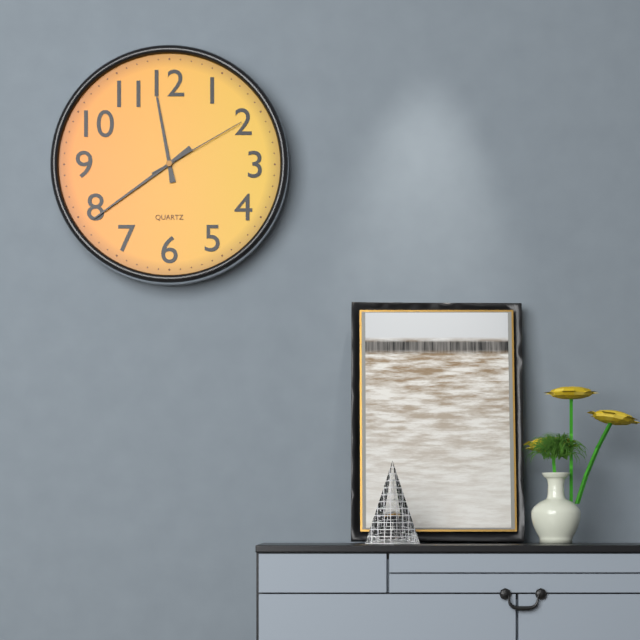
11h39m10s
